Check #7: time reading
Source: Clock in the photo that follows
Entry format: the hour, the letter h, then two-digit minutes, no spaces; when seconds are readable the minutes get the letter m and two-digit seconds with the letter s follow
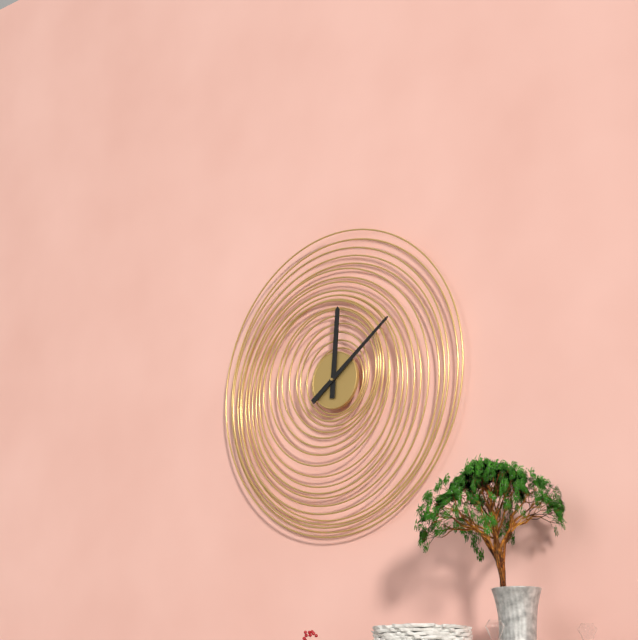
12h09
